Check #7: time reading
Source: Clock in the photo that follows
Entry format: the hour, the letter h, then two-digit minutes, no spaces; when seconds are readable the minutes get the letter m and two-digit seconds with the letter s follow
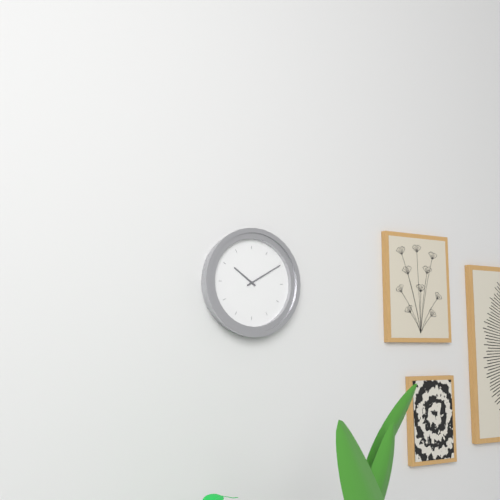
10h10
